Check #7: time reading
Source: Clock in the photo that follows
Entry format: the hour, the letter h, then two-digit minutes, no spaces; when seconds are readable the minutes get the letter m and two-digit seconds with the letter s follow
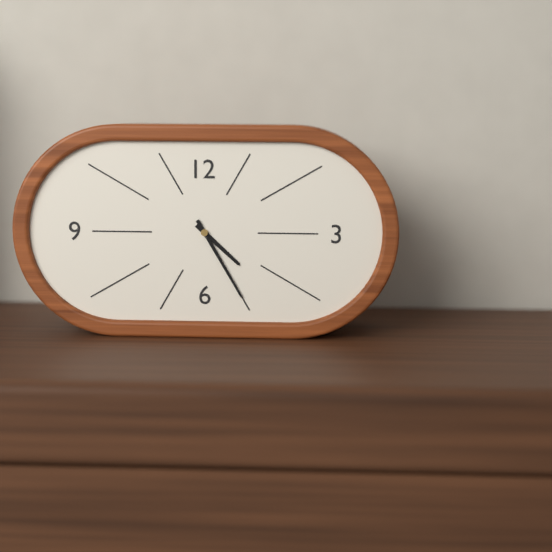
4h25
